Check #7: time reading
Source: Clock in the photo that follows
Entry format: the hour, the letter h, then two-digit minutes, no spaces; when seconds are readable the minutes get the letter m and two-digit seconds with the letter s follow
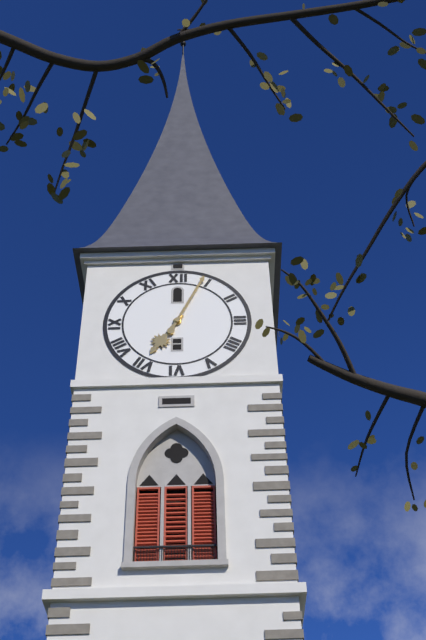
7h04
